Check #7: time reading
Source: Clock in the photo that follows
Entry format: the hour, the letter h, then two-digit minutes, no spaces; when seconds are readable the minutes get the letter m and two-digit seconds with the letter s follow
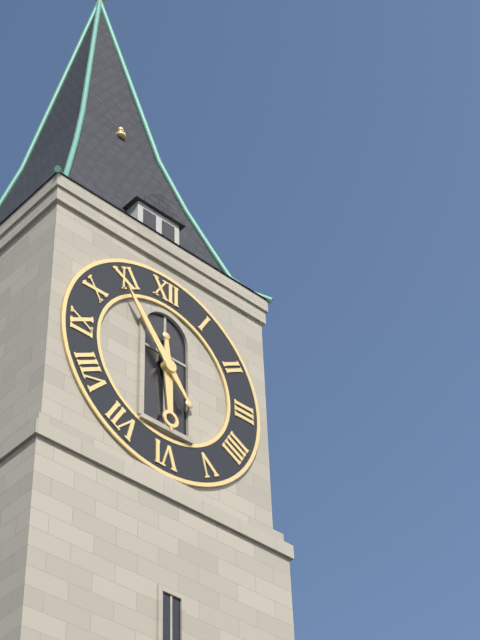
5h54
